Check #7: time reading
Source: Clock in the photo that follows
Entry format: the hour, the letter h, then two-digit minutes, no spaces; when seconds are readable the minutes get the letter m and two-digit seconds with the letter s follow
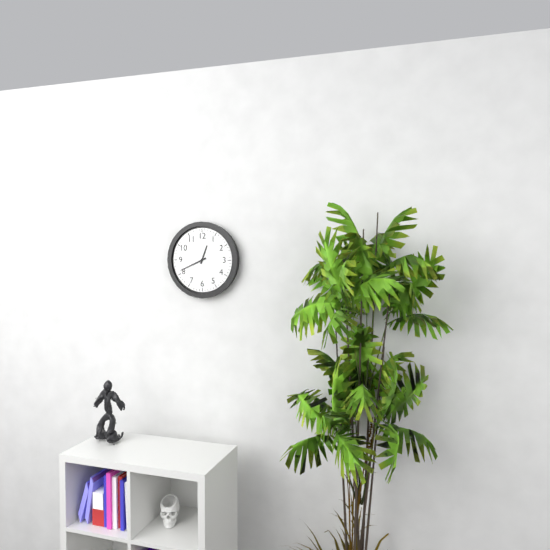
12h41
